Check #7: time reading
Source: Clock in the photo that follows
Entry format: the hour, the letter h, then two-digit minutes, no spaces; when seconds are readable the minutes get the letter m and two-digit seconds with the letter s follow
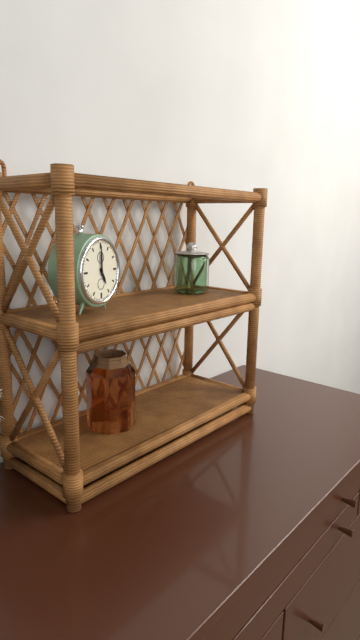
5h00
